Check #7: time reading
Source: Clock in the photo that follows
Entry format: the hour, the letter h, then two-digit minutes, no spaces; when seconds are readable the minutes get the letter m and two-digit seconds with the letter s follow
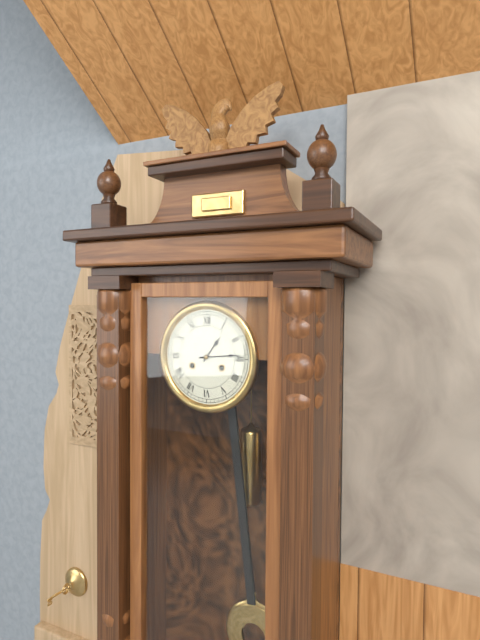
1h14
